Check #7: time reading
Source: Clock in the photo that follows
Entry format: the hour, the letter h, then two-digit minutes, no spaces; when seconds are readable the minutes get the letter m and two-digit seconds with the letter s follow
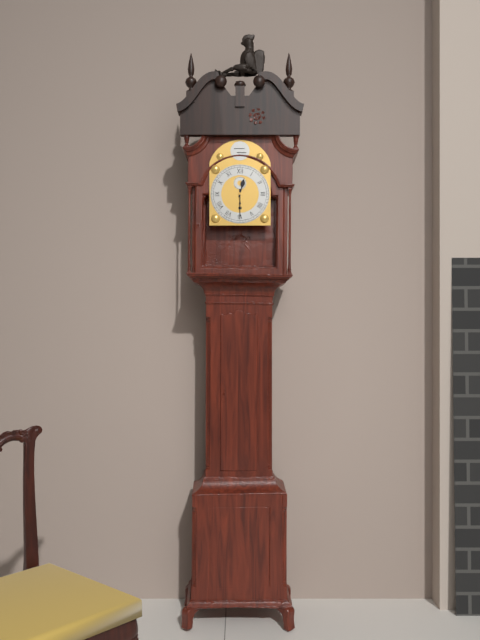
12h30
